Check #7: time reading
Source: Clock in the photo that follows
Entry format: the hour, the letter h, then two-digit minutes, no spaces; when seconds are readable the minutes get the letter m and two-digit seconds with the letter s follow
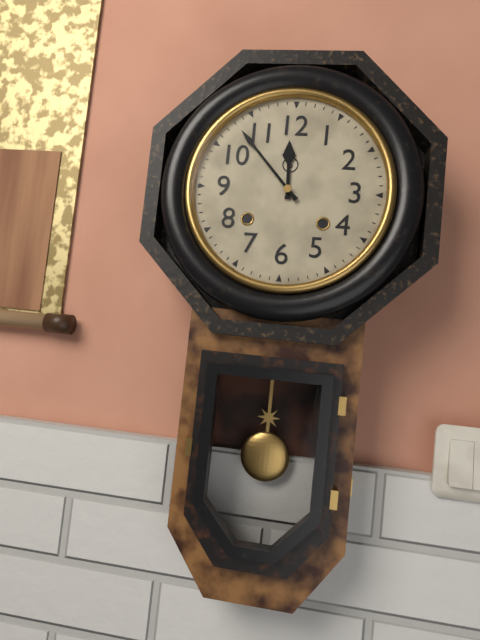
11h53
